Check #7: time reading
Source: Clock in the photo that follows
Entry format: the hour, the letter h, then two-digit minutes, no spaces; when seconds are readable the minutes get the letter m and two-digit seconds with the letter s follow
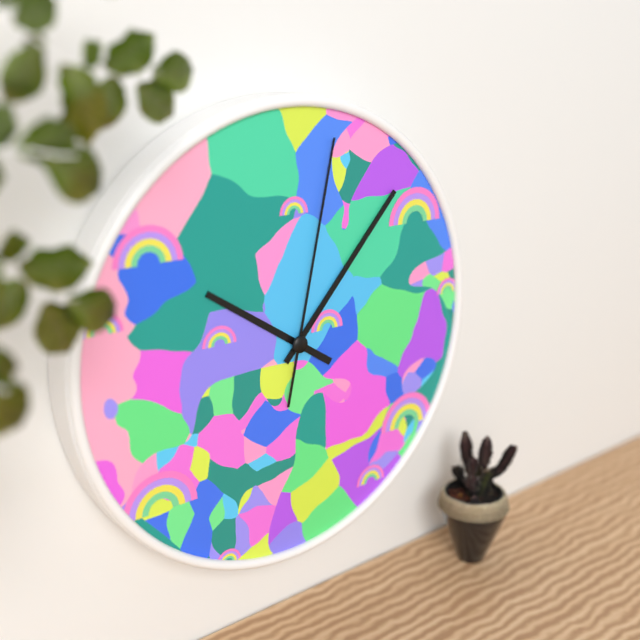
10h07m02s
